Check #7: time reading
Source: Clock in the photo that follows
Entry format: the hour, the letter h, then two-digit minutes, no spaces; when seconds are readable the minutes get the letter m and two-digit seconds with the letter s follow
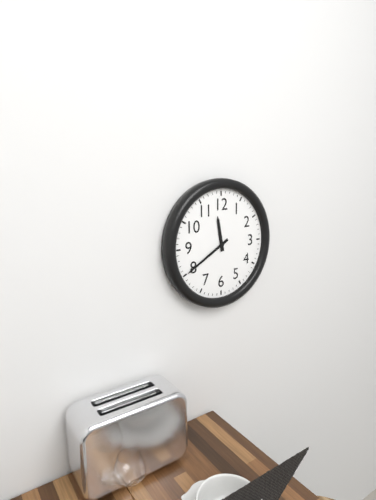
11h40
